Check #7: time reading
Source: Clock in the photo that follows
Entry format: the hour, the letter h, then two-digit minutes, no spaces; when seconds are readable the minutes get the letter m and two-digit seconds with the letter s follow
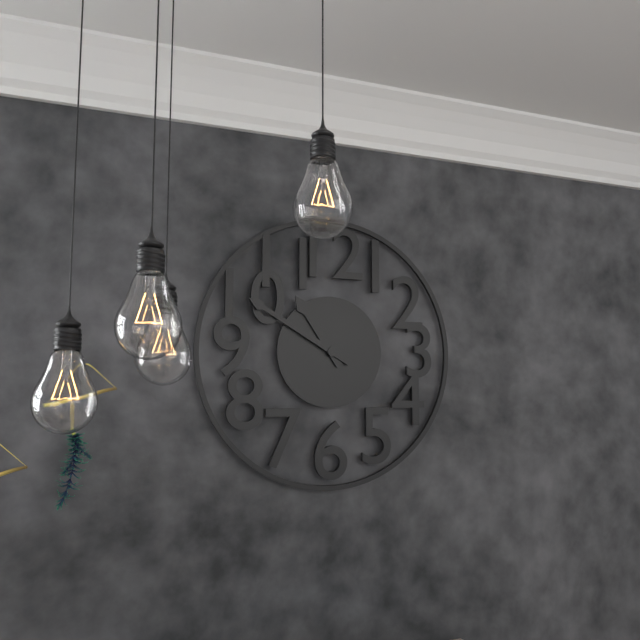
10h50
